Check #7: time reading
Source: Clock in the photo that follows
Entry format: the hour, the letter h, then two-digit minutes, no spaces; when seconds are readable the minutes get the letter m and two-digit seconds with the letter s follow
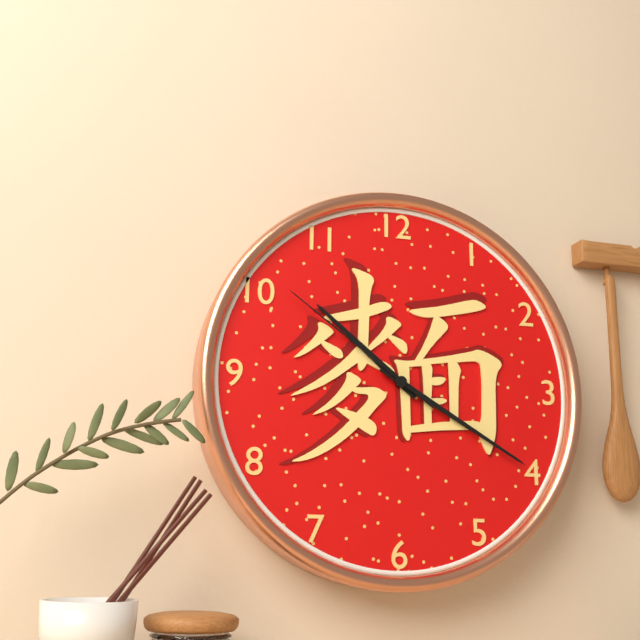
10h20m51s
